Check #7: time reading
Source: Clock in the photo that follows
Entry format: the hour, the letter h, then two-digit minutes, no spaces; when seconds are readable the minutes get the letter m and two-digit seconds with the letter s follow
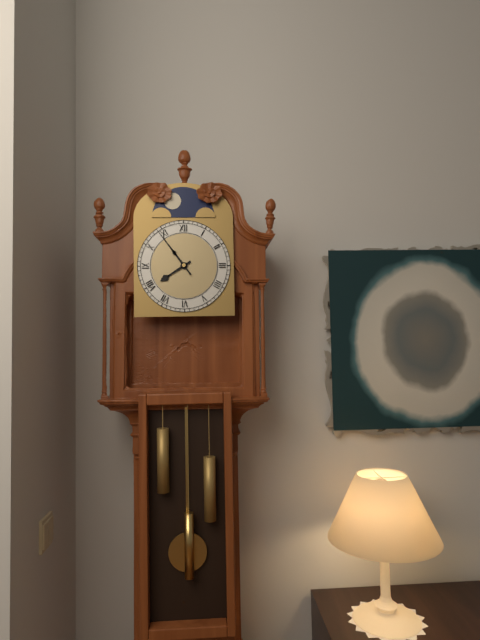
7h54
